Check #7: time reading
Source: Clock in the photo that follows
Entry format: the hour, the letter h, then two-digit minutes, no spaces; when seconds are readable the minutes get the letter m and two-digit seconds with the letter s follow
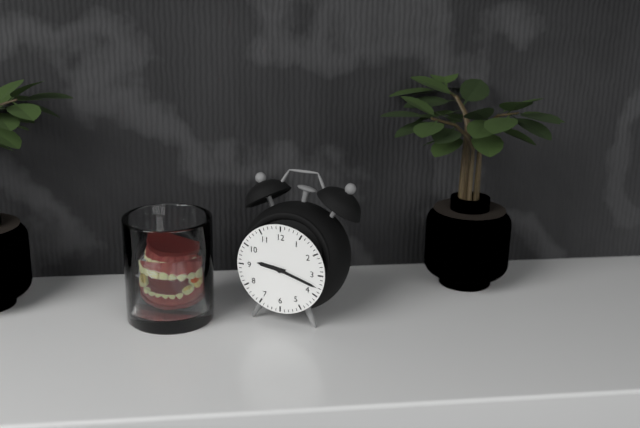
9h18
